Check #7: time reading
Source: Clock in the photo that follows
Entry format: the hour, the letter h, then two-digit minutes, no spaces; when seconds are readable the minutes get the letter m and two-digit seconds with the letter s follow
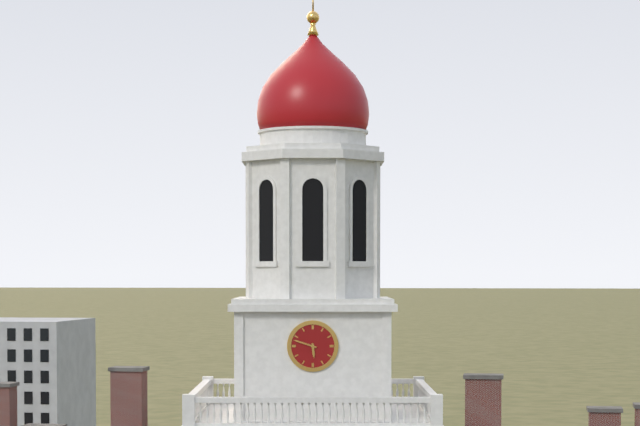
5h48
